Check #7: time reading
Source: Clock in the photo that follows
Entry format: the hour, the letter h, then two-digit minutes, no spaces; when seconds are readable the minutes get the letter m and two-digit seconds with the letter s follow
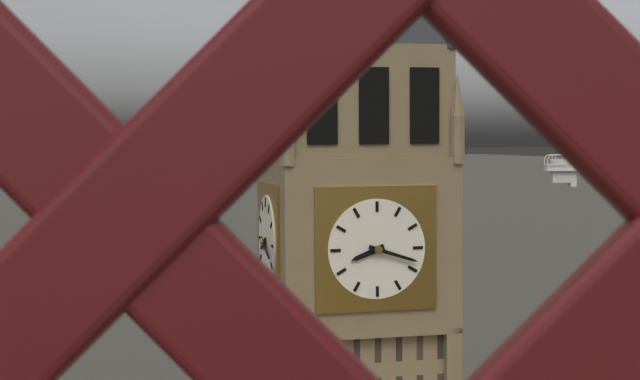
8h18
